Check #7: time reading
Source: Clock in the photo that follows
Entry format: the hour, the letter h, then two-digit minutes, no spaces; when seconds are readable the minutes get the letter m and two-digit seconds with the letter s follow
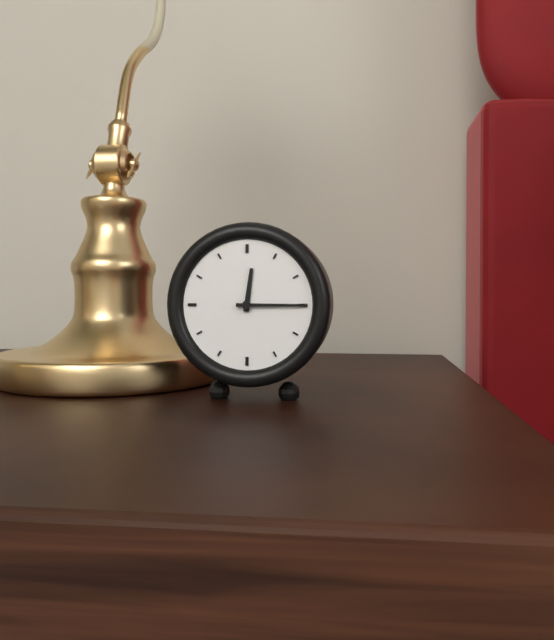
12h15
